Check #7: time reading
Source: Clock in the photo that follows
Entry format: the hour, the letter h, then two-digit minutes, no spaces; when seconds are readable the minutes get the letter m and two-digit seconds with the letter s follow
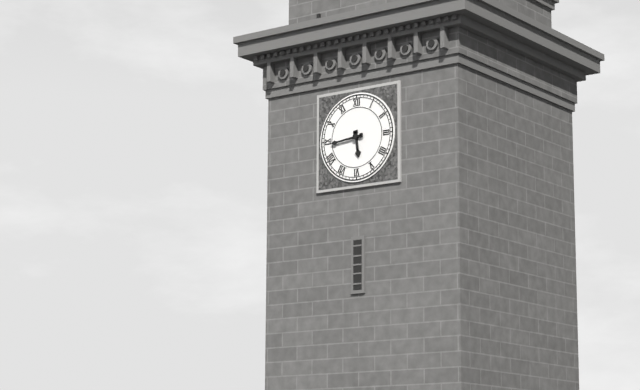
5h44
